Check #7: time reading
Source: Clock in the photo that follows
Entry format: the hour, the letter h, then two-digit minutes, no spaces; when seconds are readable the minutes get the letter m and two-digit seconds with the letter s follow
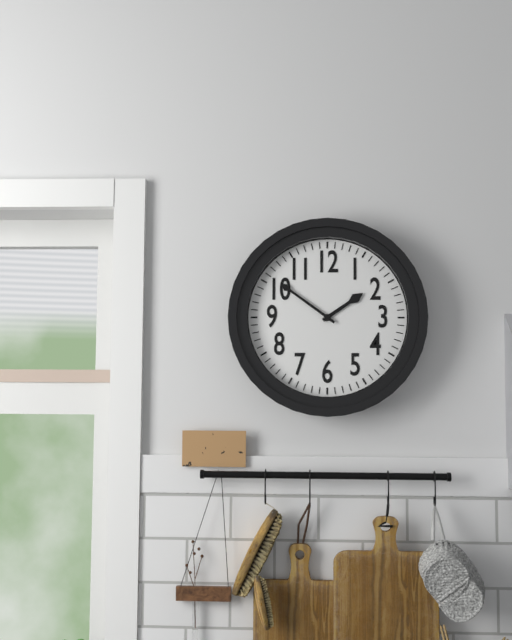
1h51
